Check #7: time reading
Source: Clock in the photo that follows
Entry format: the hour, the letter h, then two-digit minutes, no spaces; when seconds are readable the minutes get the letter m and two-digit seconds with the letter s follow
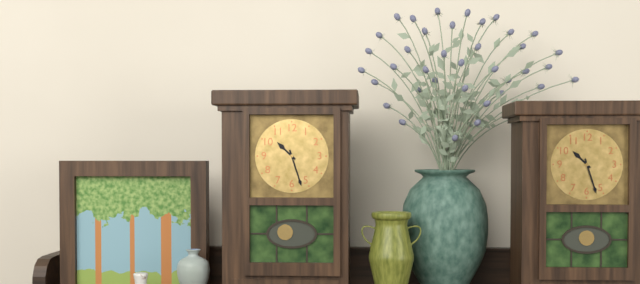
10h27
